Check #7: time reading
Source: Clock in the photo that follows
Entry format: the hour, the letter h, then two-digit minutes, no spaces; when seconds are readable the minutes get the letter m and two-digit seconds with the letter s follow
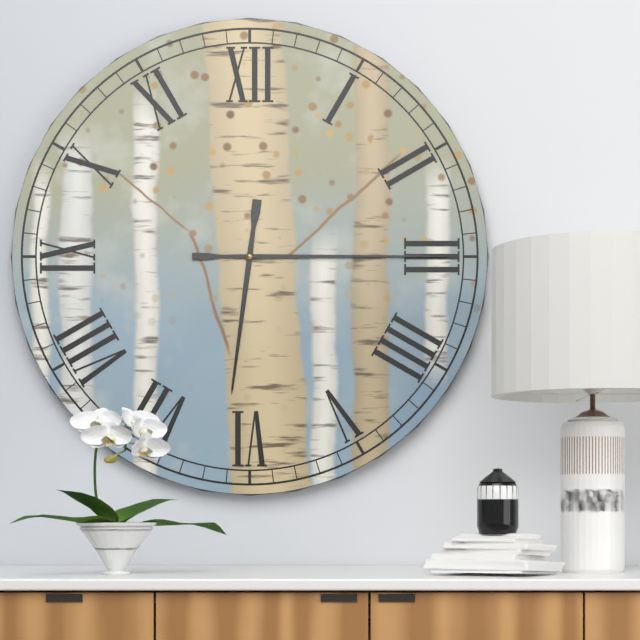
6h15
